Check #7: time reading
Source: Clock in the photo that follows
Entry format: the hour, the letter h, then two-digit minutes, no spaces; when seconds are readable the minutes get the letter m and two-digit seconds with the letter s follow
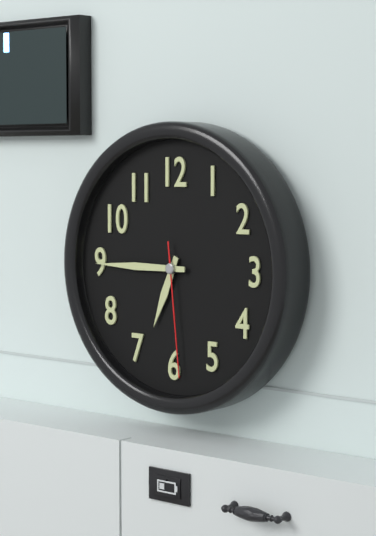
6h45m29s
